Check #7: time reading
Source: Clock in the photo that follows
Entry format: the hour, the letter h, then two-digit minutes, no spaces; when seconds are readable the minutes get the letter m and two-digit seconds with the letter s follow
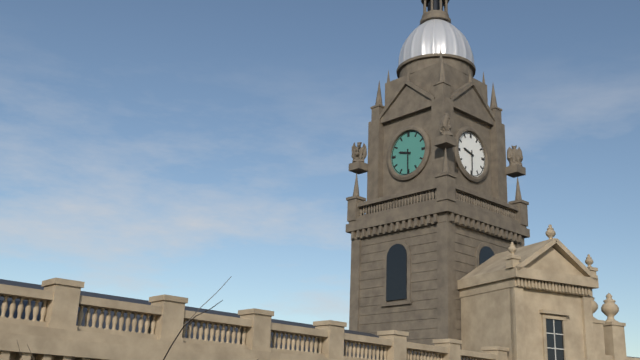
9h30
